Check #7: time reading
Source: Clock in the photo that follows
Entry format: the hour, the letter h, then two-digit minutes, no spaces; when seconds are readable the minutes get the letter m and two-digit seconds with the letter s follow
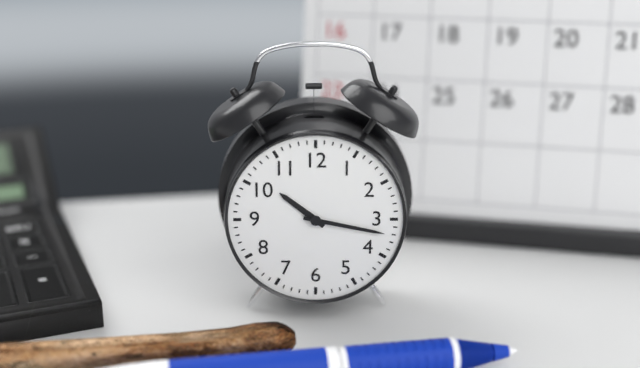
10h17
